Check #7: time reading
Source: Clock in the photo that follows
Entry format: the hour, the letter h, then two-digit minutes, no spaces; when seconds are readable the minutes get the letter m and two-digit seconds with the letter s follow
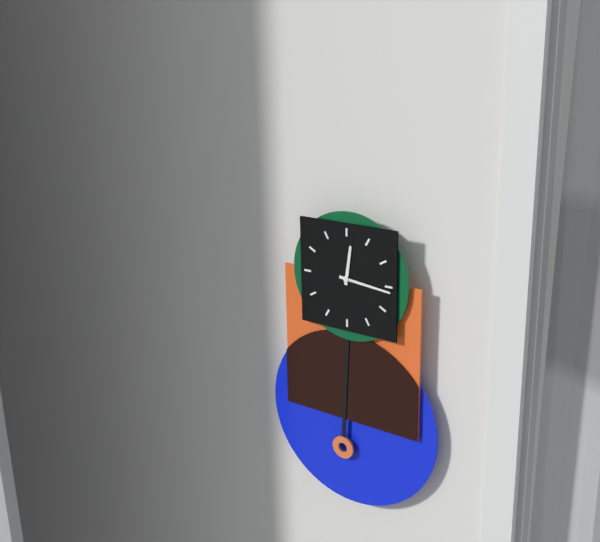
12h16
